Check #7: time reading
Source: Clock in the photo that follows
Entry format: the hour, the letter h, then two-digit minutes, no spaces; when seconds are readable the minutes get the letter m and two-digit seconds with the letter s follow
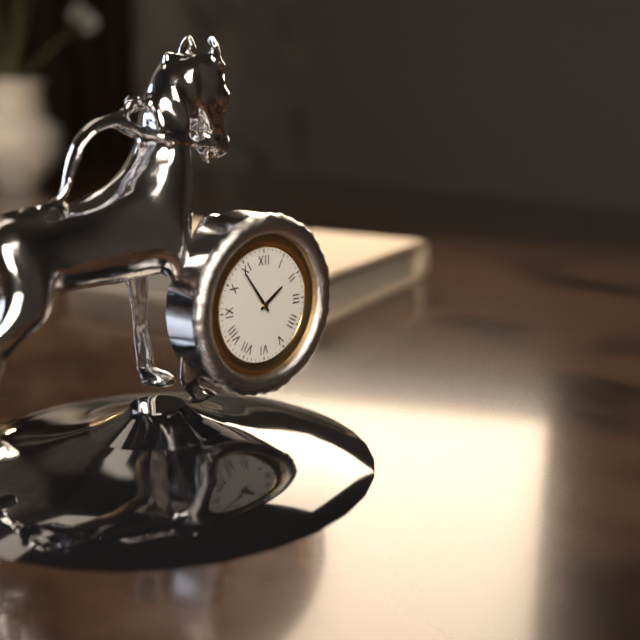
1h54
